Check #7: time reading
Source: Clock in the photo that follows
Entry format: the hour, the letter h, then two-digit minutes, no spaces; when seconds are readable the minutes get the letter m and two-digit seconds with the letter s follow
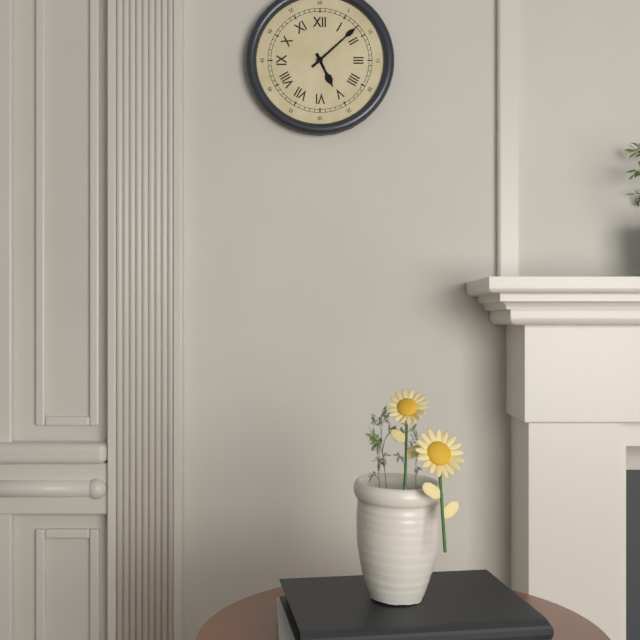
5h08
